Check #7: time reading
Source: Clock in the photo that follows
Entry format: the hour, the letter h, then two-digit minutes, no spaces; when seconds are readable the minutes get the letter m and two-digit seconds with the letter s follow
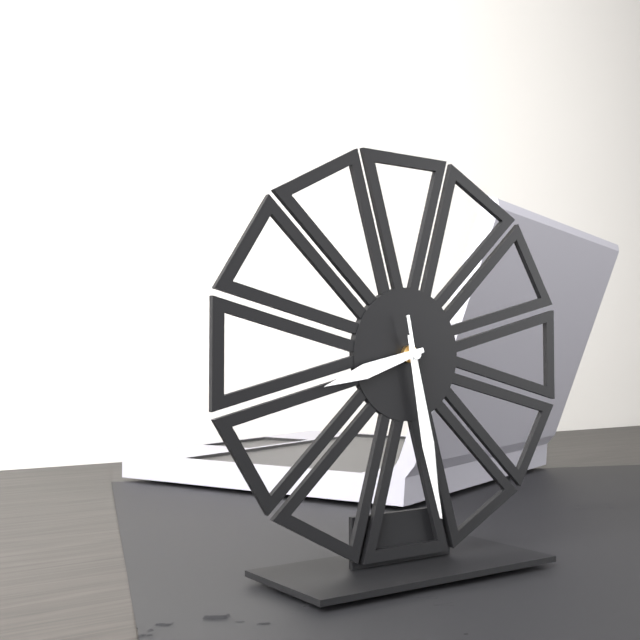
8h28m28s
